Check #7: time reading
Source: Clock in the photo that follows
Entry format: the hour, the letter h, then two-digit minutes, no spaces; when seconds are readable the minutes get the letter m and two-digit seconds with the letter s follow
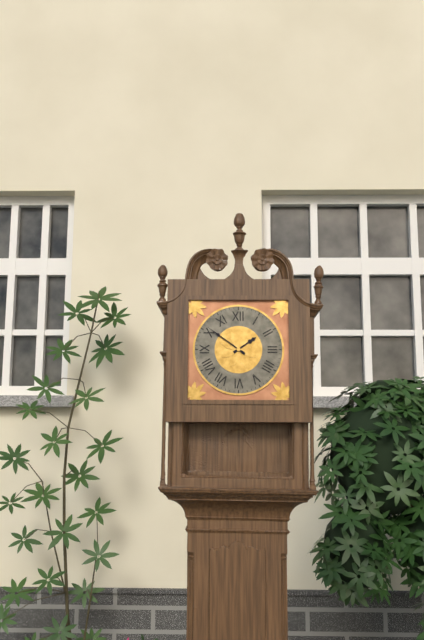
1h51
